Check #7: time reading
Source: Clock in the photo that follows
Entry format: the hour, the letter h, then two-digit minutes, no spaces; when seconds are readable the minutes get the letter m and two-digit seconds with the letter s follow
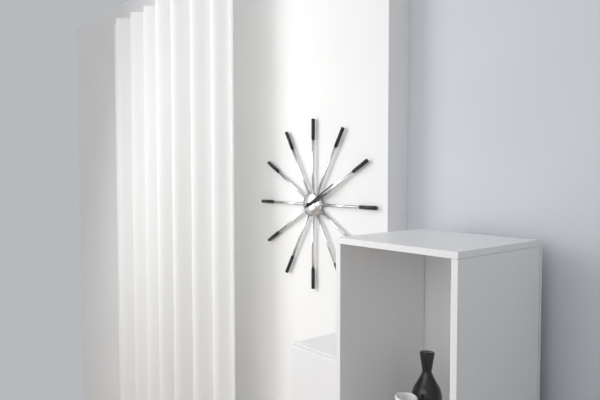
2h10
